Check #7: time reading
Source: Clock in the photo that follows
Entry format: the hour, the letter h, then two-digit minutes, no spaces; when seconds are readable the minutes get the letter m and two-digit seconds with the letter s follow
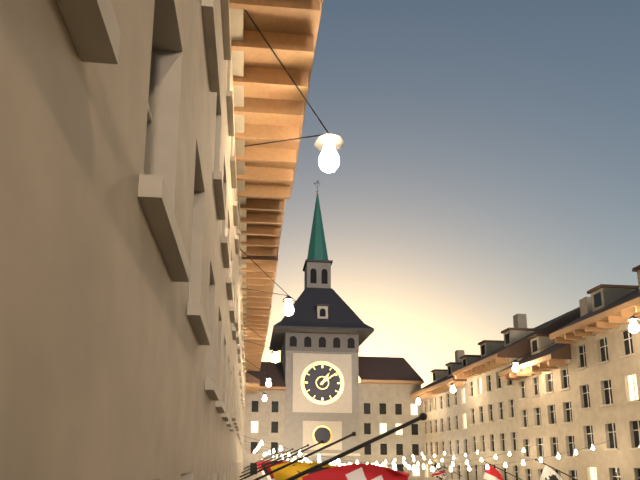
1h09
